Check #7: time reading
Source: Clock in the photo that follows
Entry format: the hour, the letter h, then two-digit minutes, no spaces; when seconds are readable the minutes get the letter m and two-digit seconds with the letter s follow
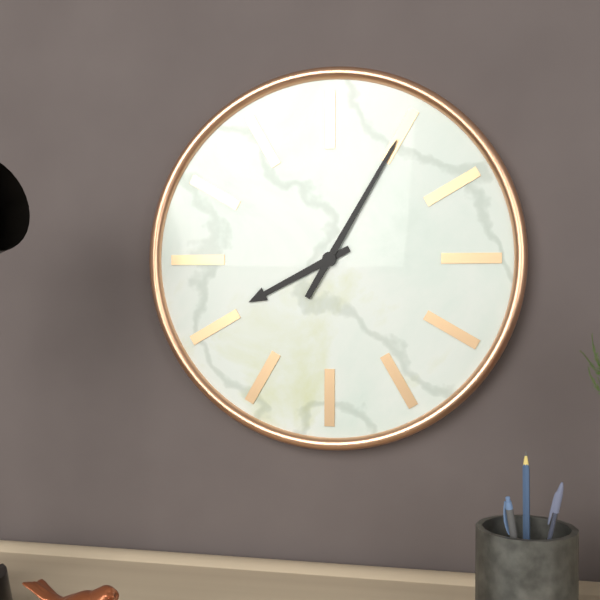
8h05
